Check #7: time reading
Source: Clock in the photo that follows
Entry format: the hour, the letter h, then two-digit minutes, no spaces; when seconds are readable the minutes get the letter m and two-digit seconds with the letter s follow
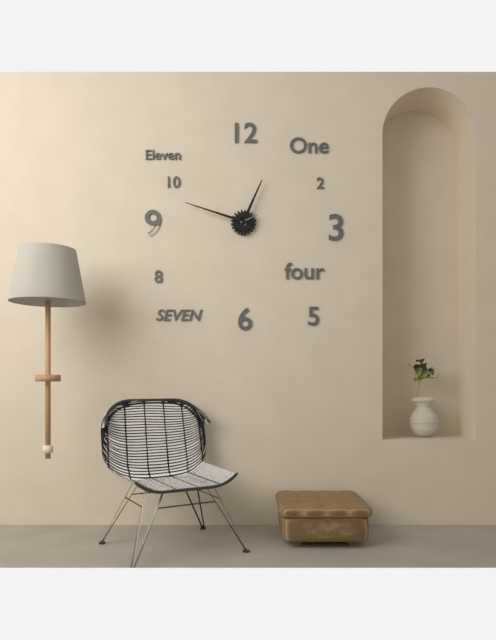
12h48
